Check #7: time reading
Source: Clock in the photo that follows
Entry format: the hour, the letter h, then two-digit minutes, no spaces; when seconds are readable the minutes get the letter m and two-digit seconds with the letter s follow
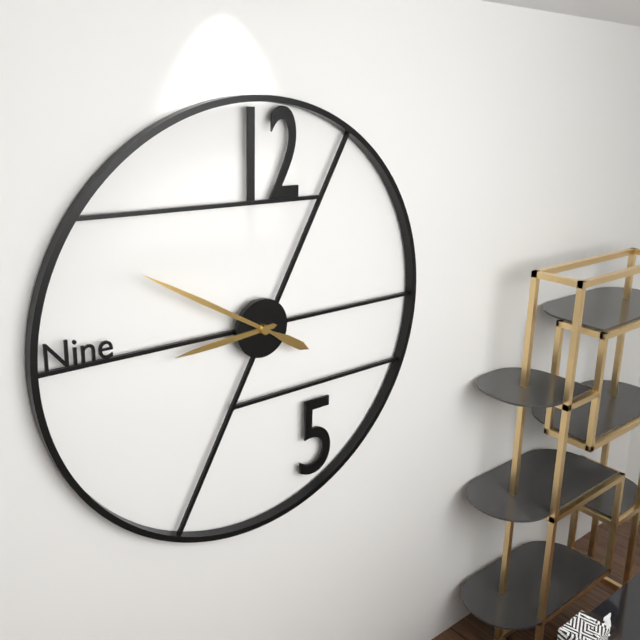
8h50
